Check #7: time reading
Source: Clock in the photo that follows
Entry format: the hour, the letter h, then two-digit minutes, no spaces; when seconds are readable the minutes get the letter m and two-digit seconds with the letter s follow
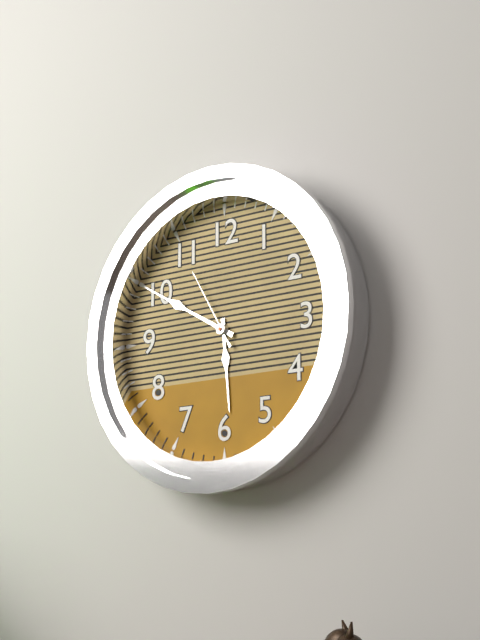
5h50m55s
